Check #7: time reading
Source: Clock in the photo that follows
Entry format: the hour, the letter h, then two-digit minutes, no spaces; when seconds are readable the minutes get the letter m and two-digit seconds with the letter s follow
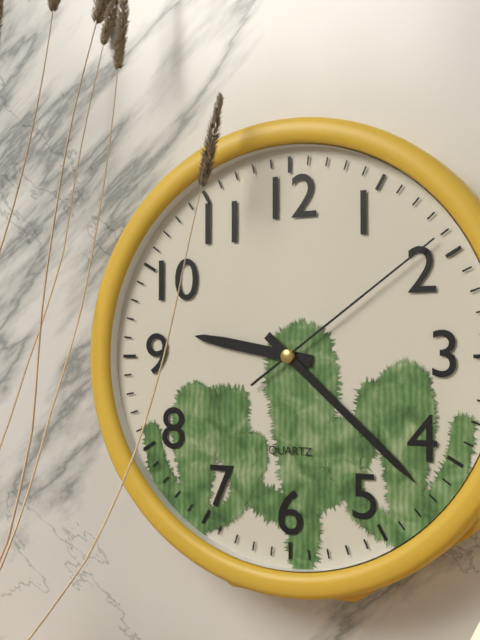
9h22m09s
